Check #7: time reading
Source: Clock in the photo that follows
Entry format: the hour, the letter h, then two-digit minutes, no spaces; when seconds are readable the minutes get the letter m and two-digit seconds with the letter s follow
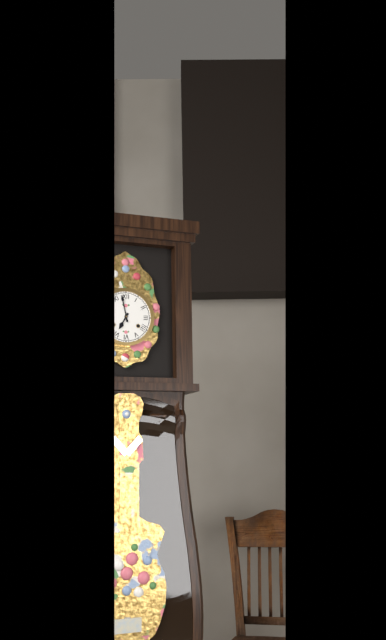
6h58
